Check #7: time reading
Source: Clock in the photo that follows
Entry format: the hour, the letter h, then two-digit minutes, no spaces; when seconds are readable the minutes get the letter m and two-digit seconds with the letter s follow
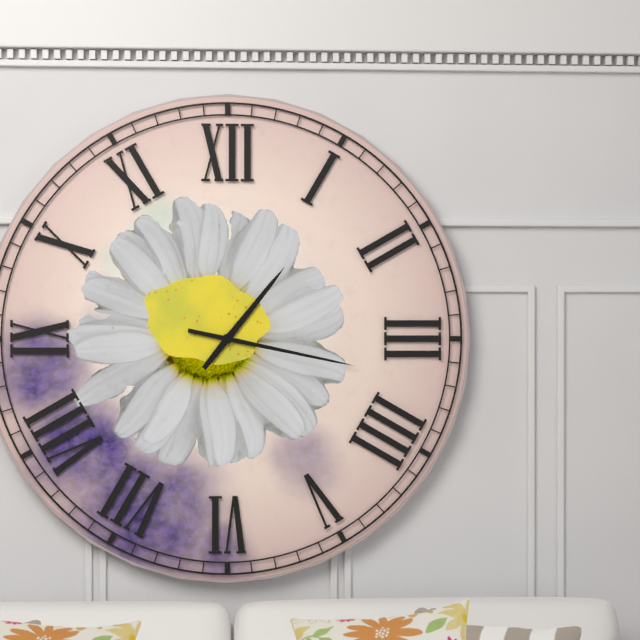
1h17
